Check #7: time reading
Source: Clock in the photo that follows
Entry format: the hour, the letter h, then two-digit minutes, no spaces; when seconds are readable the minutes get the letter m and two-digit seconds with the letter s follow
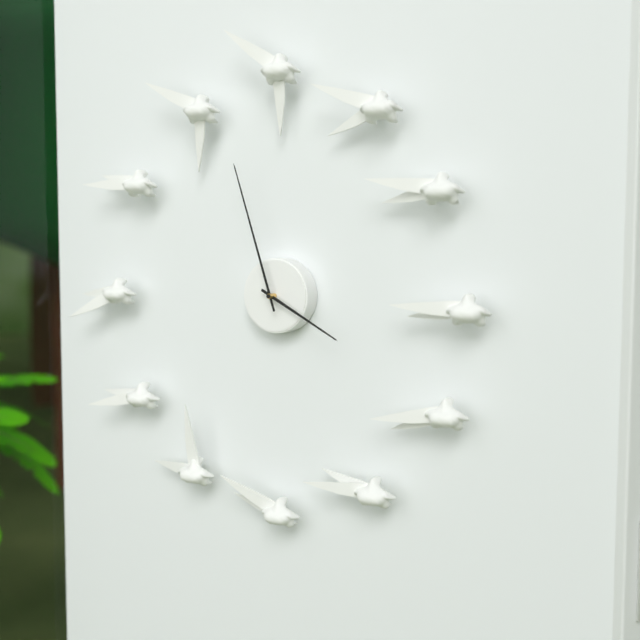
3h57
